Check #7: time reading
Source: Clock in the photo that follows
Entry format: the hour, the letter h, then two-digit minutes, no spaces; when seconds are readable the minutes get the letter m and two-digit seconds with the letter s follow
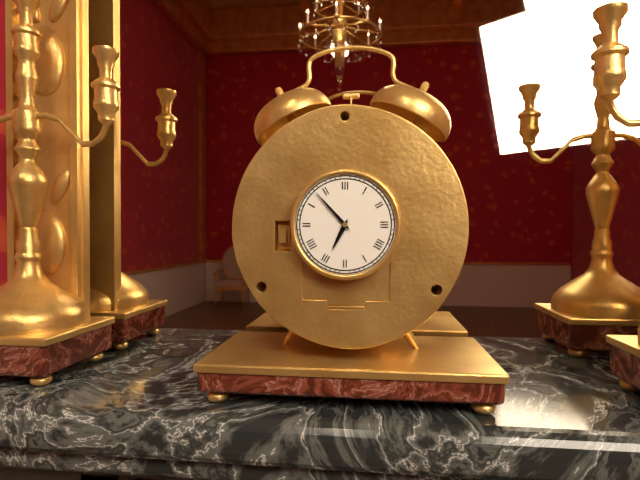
6h53
